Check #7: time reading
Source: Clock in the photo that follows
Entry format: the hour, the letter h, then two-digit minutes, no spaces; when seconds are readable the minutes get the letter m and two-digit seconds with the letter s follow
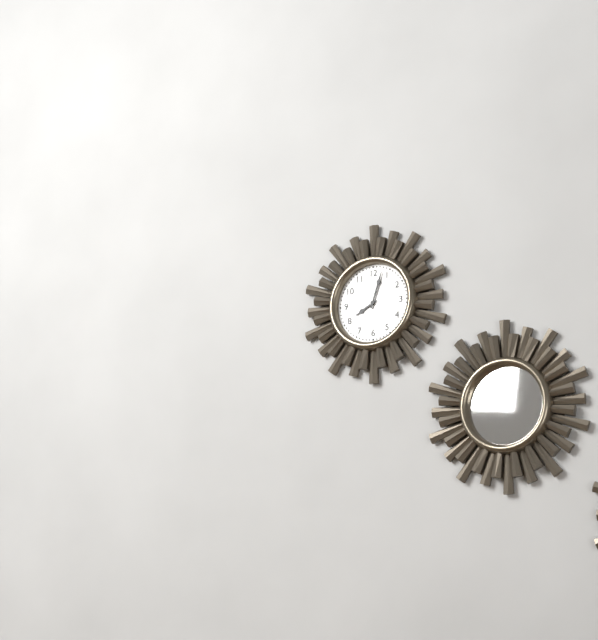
8h03
